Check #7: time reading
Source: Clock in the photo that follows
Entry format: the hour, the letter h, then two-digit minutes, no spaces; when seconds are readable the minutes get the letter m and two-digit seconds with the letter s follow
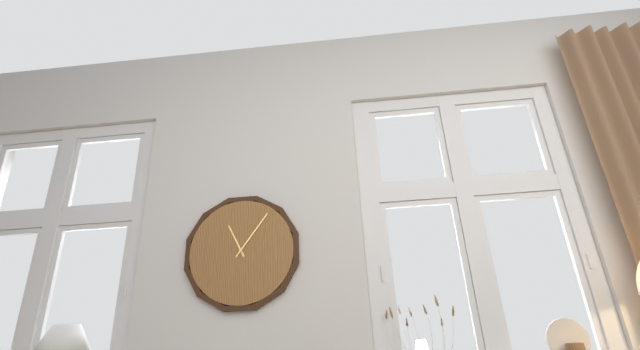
11h06
